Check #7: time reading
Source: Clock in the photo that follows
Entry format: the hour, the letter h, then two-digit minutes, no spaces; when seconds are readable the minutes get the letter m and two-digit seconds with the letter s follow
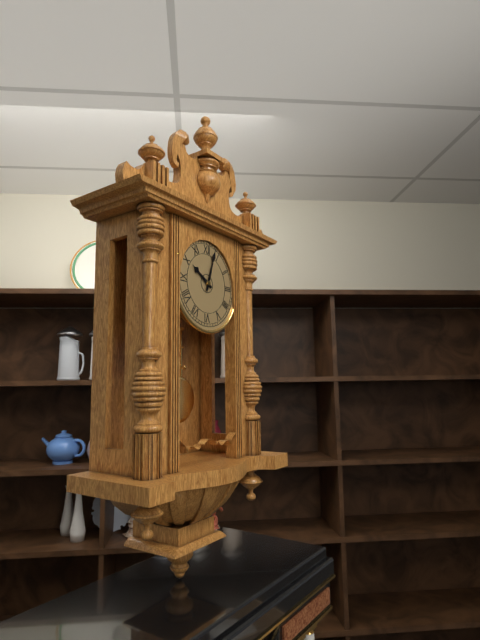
10h03
